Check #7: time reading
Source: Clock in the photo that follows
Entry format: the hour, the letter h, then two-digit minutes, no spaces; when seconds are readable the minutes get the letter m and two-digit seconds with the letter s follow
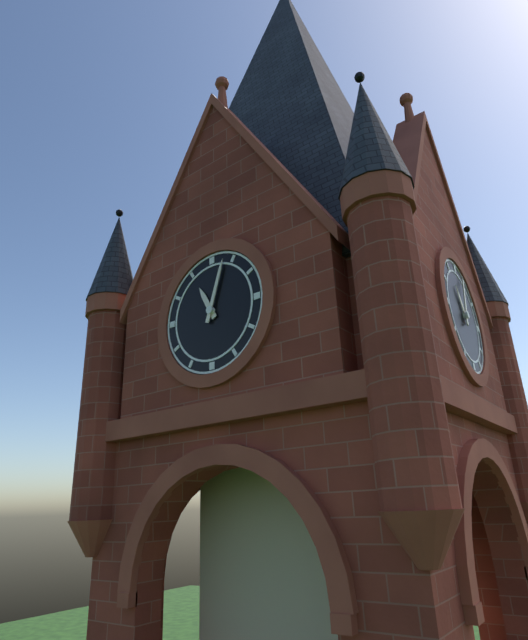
11h03
